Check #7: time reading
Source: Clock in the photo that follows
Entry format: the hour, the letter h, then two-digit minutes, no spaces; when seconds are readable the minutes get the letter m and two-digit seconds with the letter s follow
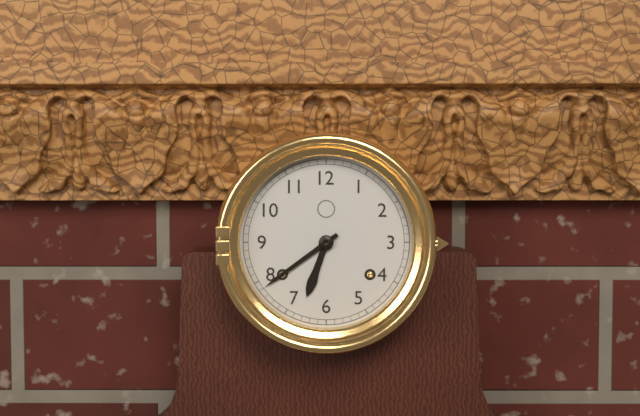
6h39
